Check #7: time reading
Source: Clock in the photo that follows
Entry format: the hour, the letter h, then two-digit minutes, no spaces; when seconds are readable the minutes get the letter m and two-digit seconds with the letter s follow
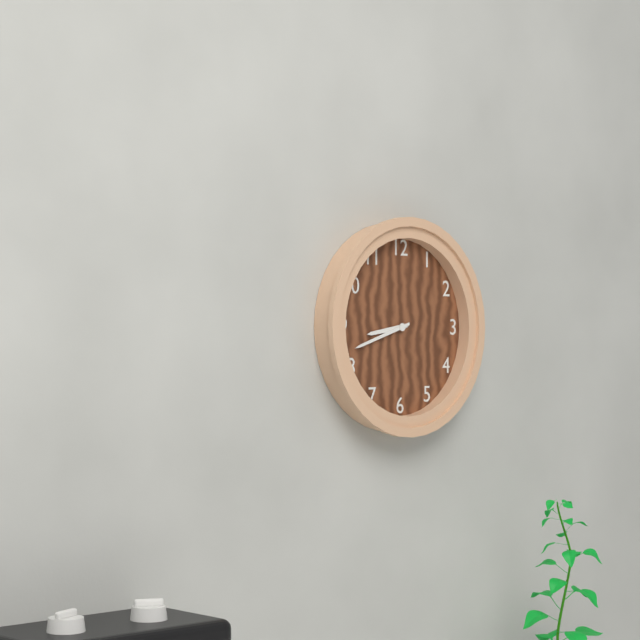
8h42
